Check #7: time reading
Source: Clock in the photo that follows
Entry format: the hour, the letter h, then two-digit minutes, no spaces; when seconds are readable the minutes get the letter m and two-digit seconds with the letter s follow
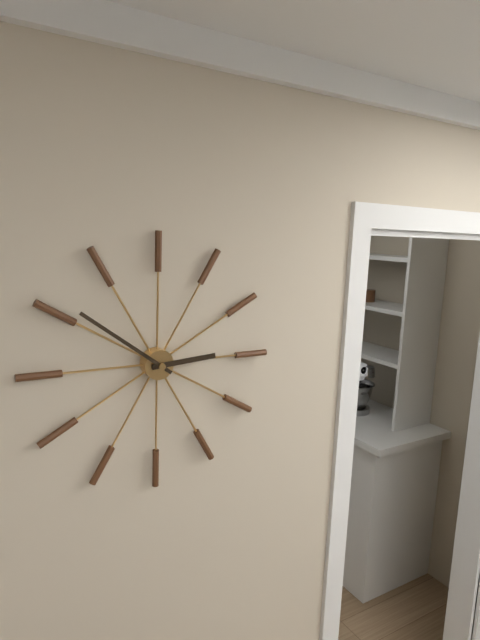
2h51
